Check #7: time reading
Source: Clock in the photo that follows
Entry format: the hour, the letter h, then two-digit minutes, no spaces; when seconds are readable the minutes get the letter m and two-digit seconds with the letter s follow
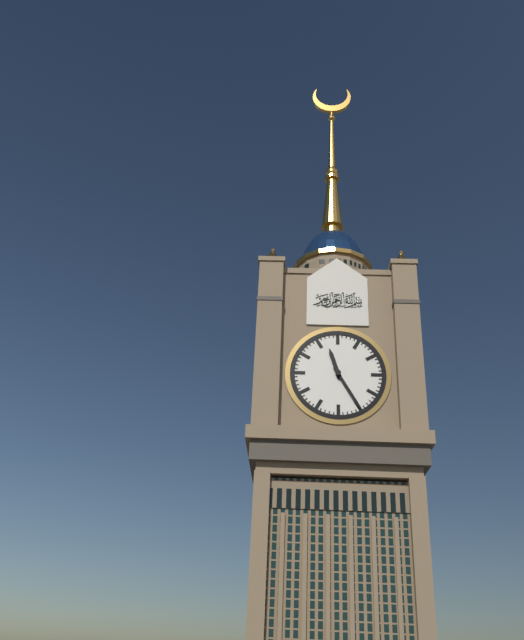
11h25
